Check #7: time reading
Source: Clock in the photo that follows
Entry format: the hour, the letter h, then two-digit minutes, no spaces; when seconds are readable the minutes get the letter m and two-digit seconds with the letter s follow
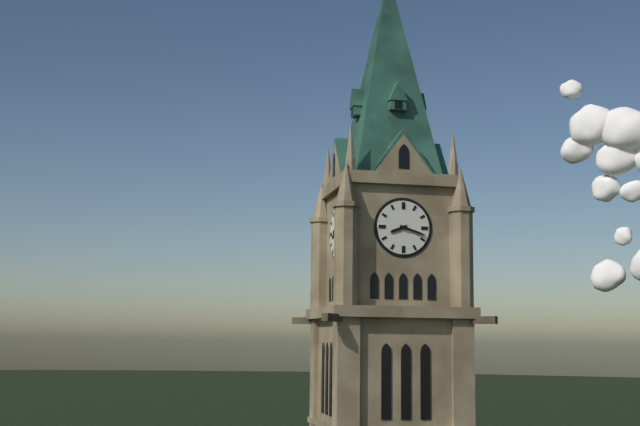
8h18
